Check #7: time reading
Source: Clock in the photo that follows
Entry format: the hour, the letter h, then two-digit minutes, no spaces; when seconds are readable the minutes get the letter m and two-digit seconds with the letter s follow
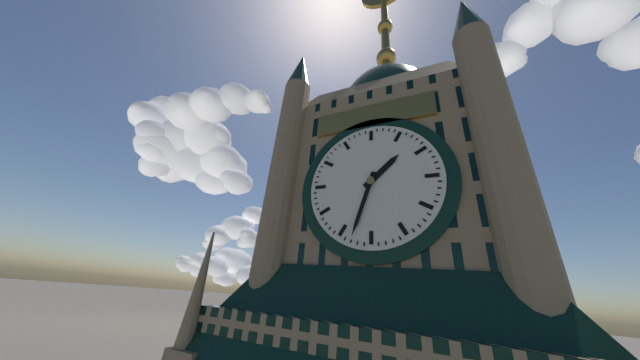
1h33
